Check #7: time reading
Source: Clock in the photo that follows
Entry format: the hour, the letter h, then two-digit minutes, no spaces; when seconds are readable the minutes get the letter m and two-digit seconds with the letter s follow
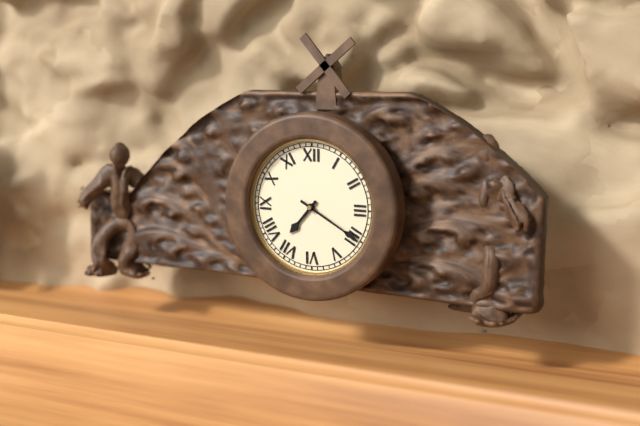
7h20
